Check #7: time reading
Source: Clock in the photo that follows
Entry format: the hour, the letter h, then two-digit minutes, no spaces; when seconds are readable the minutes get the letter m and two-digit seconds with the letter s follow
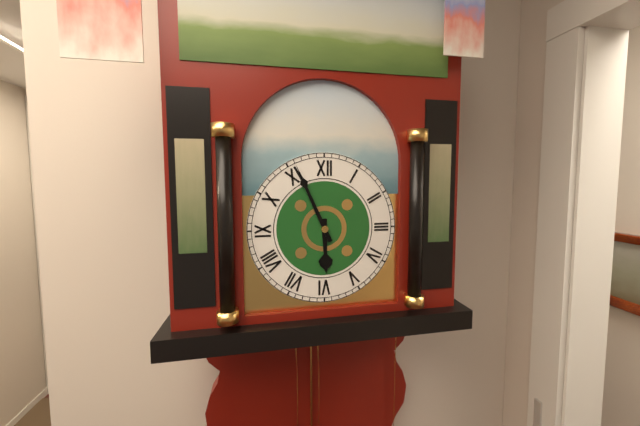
5h56
